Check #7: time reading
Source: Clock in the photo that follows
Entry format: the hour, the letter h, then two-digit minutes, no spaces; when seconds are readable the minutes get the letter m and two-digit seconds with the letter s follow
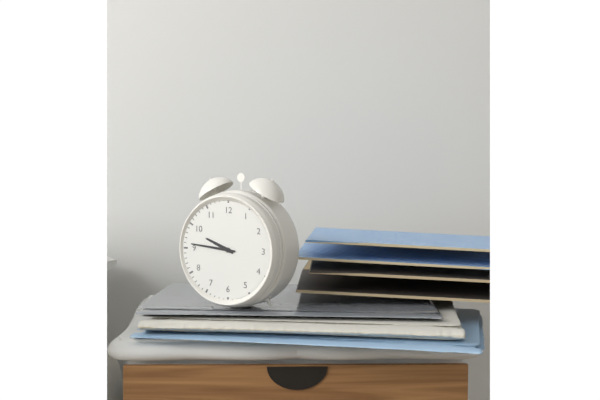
9h46
